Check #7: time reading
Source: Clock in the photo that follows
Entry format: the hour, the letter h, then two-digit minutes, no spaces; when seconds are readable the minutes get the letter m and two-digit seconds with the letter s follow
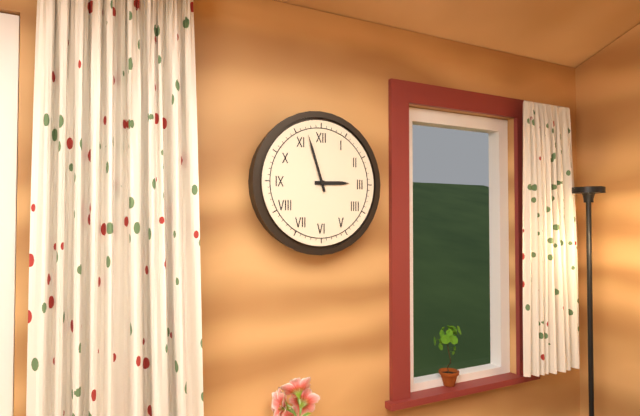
2h57
